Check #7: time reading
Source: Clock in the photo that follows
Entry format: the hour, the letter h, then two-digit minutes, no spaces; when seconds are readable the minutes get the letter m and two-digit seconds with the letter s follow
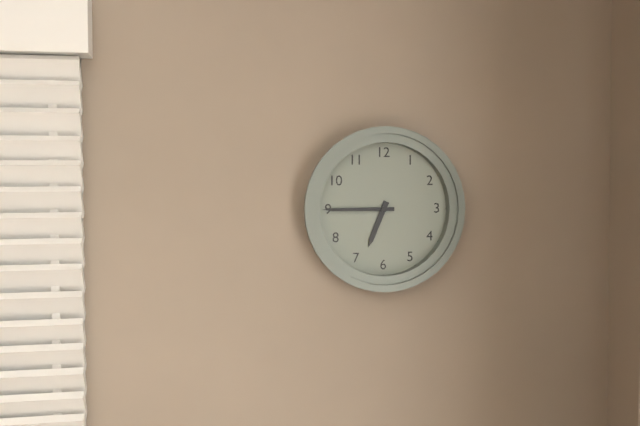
6h45
